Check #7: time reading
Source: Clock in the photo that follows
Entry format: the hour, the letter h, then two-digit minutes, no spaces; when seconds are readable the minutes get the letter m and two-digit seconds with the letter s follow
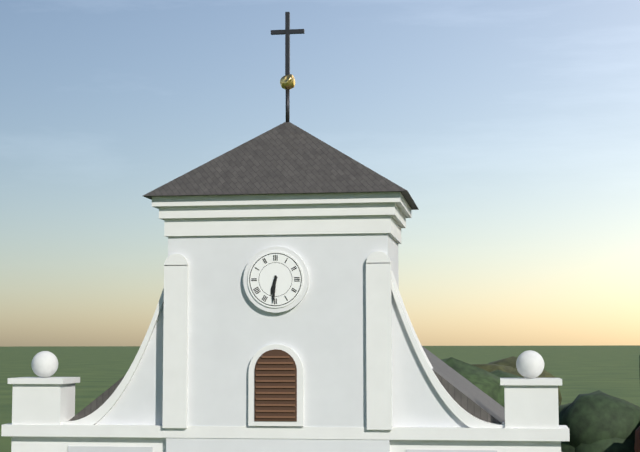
6h31
